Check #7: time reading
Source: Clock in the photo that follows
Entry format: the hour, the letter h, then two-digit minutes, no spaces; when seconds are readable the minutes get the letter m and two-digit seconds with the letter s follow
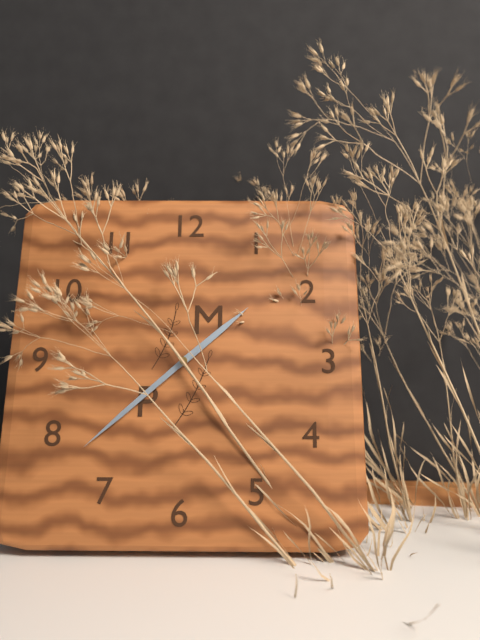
1h38
